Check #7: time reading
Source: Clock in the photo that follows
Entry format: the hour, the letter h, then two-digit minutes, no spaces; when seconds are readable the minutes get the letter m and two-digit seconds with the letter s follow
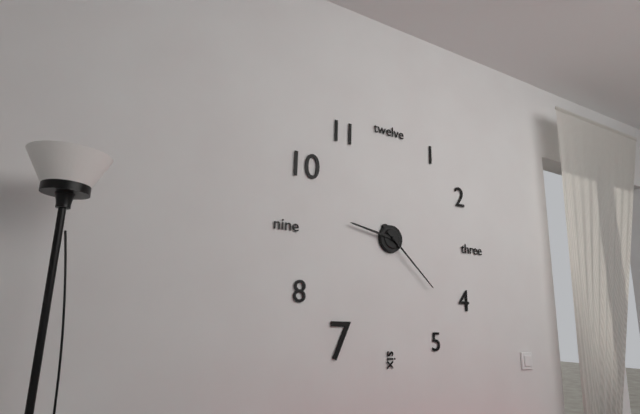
9h22
